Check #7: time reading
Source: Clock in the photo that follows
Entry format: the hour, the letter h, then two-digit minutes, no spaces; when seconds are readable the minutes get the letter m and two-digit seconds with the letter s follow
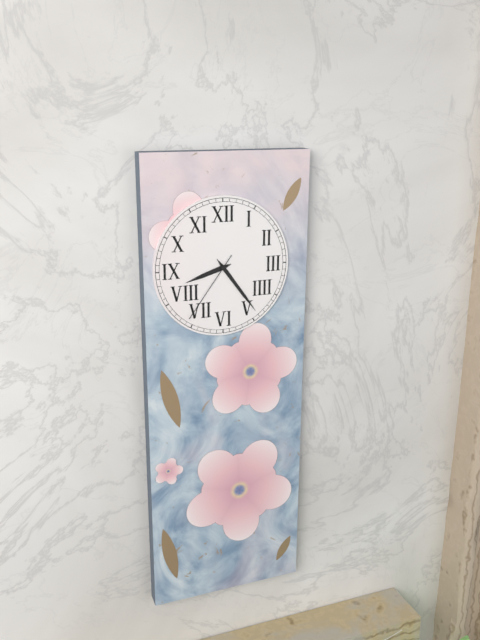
8h24m36s
